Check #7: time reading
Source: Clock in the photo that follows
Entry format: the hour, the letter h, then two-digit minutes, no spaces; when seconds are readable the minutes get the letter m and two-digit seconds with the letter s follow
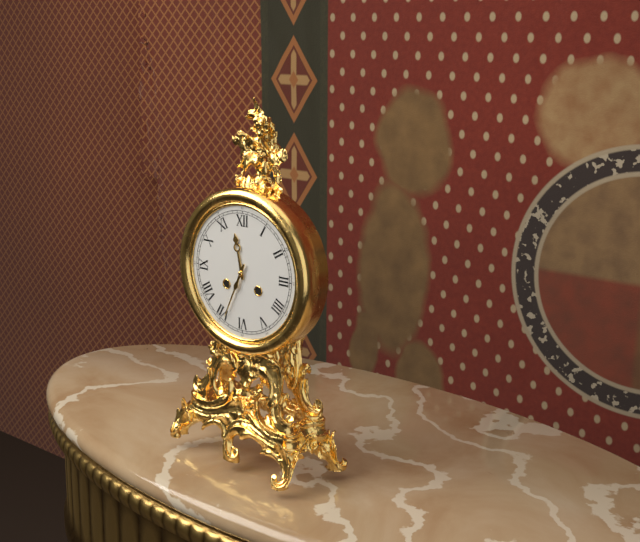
11h34
